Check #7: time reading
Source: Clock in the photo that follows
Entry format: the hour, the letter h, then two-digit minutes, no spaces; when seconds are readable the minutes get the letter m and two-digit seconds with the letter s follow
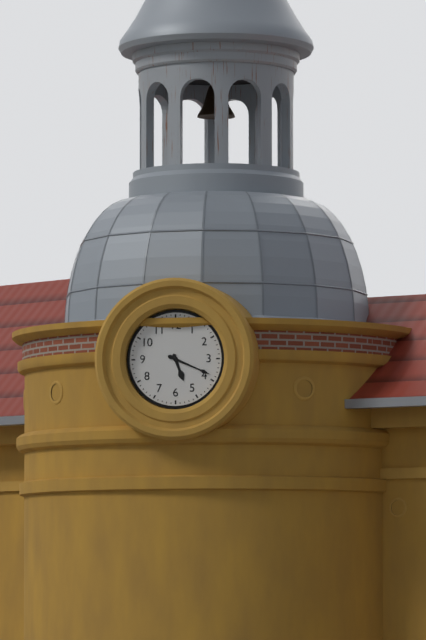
5h19
